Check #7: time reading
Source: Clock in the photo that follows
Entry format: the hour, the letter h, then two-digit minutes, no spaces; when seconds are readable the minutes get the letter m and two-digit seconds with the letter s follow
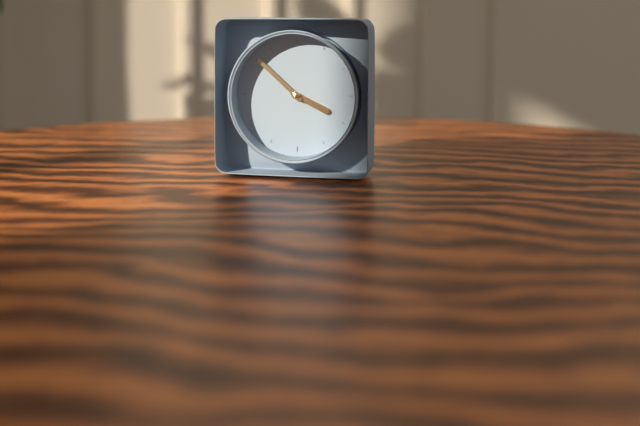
3h52
